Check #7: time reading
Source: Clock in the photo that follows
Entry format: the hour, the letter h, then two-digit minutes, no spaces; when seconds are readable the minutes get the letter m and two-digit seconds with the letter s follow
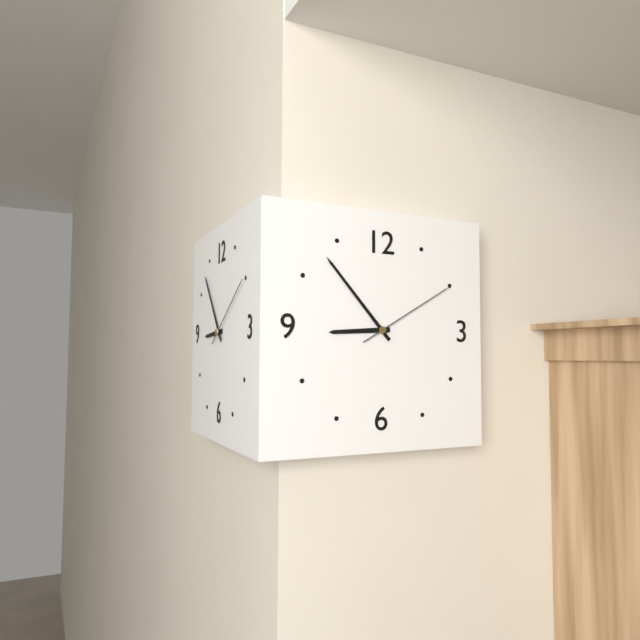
8h53m10s
